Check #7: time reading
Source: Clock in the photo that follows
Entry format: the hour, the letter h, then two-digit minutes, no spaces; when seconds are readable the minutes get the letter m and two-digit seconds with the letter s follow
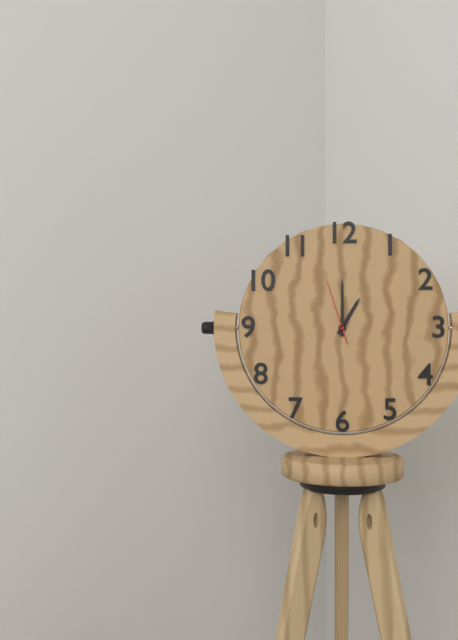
1h00m57s
